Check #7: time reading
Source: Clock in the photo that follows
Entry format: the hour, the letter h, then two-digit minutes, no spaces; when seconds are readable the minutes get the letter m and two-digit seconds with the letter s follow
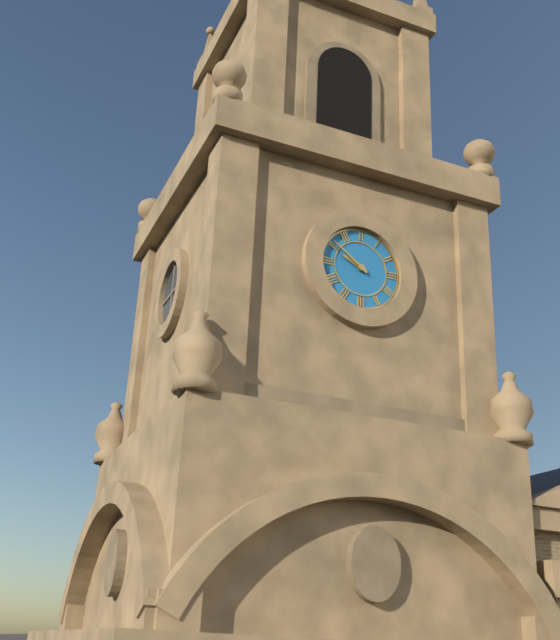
9h51
